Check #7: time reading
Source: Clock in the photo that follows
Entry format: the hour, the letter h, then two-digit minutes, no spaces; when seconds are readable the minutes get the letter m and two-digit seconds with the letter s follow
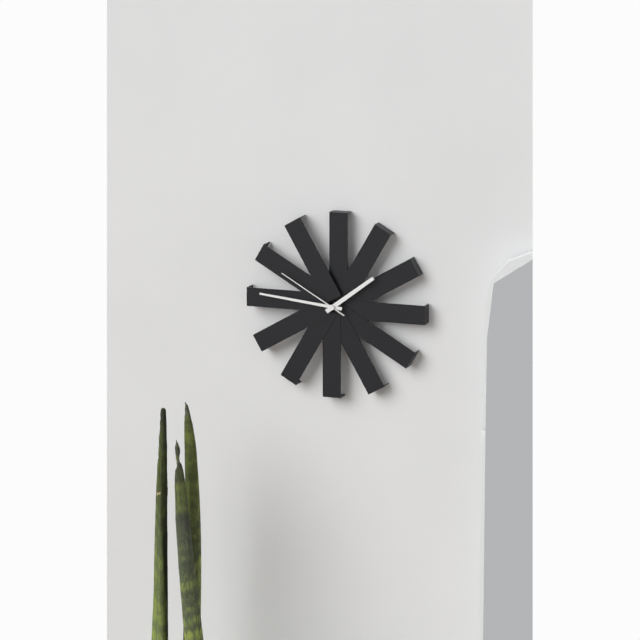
1h46m50s
